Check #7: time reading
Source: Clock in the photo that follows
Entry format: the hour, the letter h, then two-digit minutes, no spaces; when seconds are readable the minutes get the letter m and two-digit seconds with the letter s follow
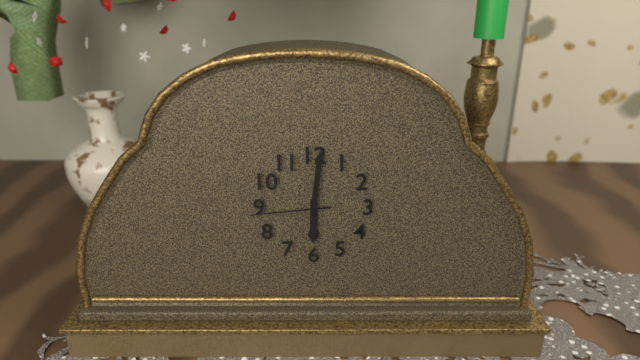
6h01m44s
